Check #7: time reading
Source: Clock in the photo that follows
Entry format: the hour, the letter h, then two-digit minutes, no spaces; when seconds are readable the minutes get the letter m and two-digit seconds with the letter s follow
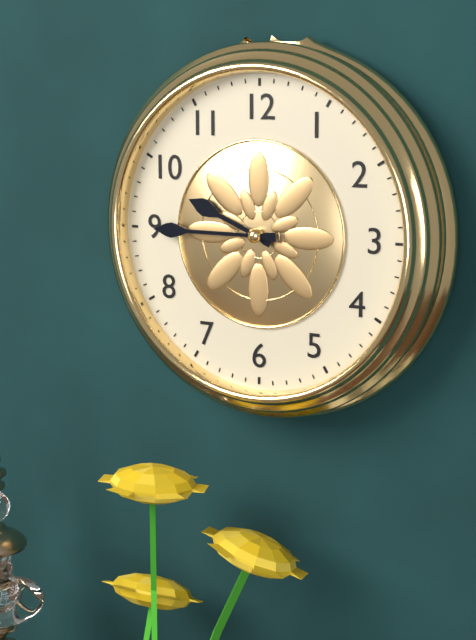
9h45
